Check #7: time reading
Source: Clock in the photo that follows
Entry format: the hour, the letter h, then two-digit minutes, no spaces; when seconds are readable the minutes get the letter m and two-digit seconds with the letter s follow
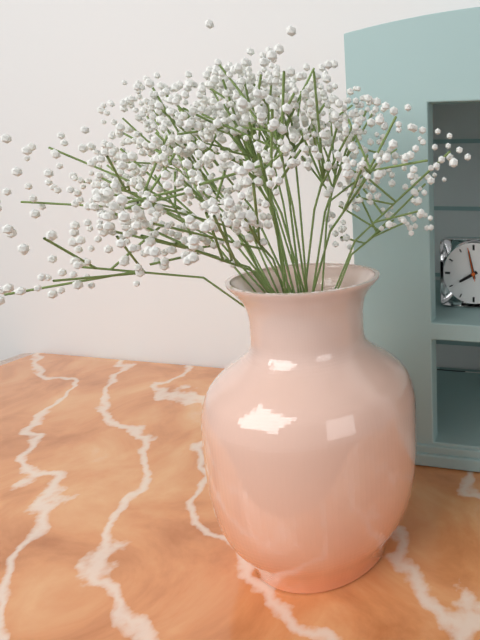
7h58
